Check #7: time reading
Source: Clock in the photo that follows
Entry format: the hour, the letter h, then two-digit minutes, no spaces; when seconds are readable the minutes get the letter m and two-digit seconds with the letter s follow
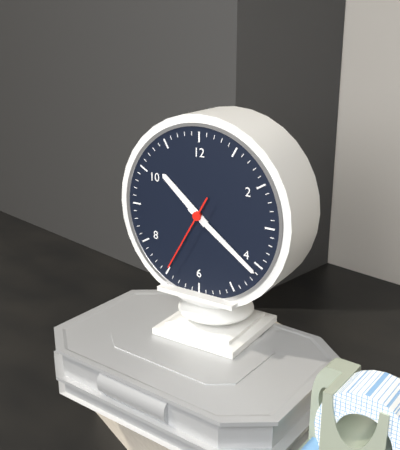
10h21m35s
